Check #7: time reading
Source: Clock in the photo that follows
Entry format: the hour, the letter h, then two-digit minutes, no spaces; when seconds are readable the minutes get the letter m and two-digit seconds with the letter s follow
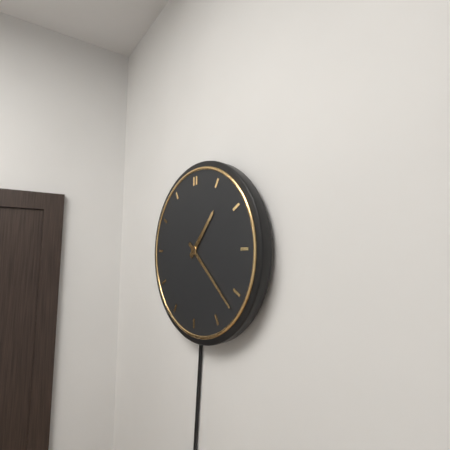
1h22
